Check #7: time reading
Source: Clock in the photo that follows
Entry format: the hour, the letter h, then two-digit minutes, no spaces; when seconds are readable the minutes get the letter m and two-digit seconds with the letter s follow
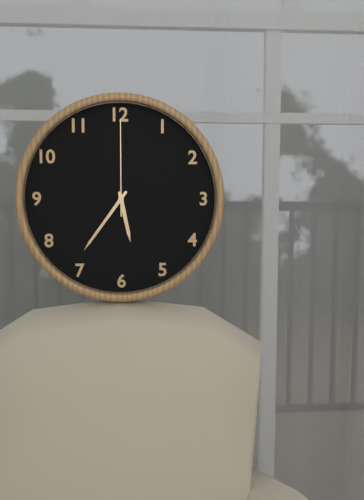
5h36m00s
